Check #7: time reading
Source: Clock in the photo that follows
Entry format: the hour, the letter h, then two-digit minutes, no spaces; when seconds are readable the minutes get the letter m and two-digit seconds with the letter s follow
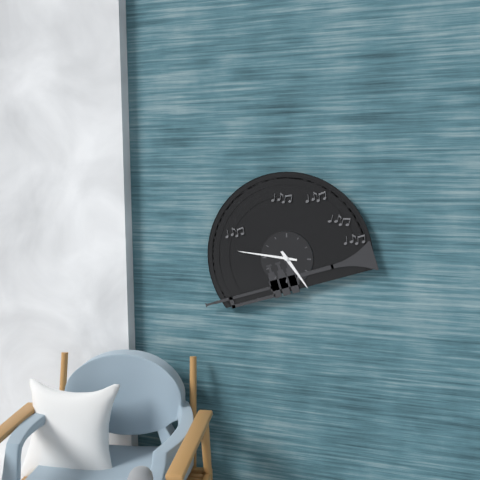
4h46
